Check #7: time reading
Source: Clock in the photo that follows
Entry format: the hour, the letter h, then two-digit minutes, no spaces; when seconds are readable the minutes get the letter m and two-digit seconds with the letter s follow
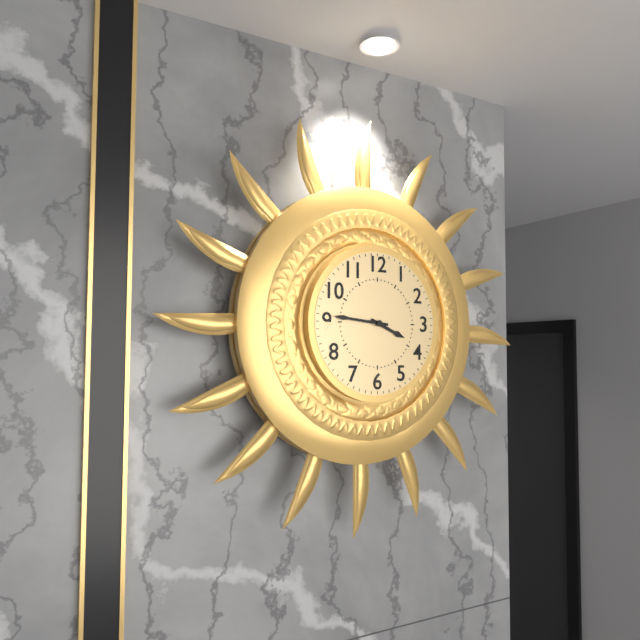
3h46
